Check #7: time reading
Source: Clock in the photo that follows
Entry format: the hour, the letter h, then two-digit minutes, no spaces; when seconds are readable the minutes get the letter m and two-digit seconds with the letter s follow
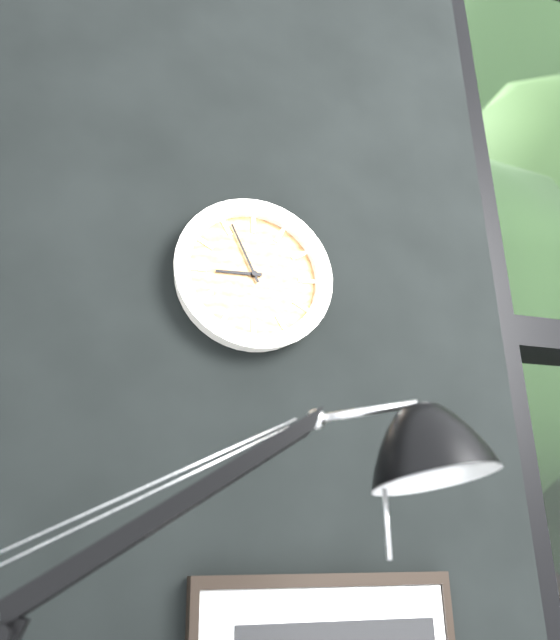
8h56
